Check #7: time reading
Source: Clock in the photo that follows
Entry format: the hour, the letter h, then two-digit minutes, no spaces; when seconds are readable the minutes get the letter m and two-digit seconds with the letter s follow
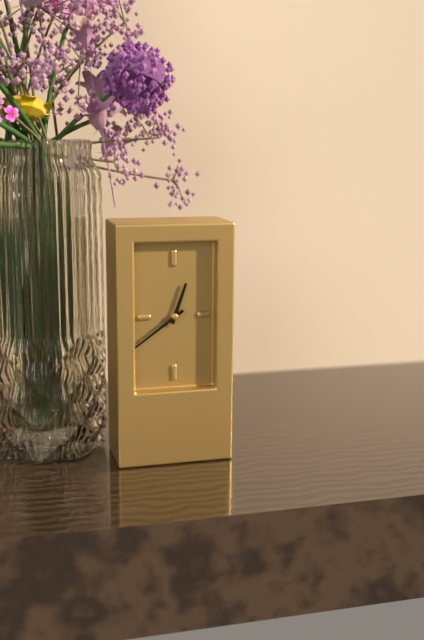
12h39
